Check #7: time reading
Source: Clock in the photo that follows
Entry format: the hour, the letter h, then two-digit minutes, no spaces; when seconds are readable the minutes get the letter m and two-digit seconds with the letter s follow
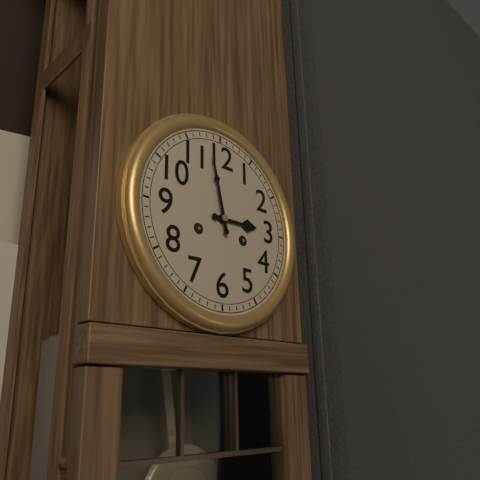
2h58
